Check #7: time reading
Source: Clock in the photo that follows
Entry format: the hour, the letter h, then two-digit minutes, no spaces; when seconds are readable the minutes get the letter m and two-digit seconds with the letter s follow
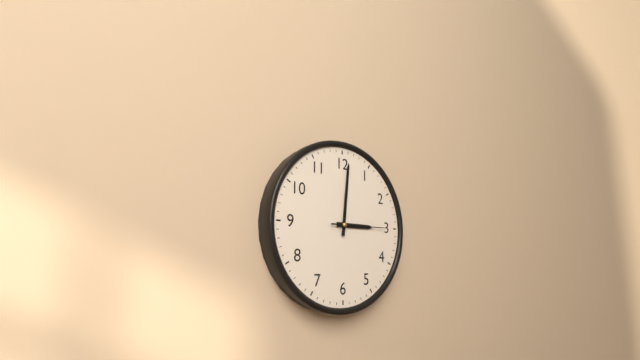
3h01m15s
